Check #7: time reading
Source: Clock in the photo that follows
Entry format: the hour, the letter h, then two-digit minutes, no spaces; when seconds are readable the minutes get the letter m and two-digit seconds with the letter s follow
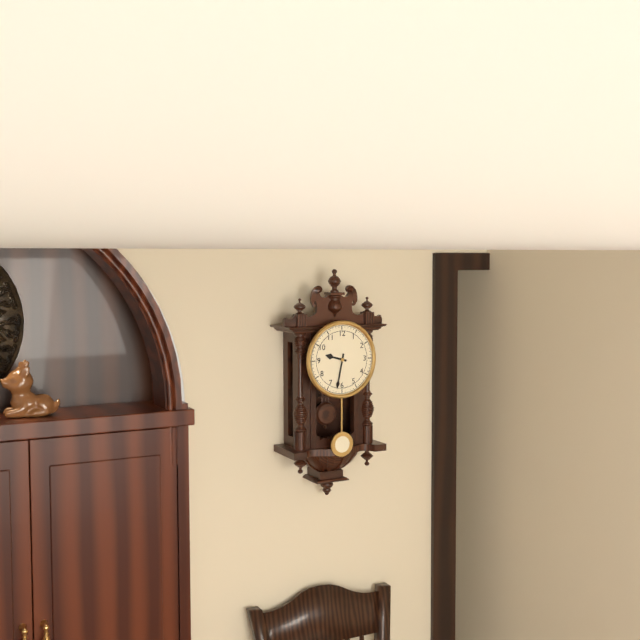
9h32
